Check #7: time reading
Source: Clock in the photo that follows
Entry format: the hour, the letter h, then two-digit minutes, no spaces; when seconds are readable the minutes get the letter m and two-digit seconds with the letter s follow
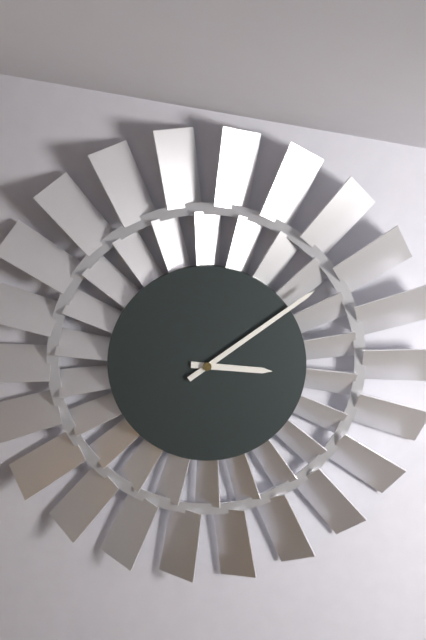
3h09
